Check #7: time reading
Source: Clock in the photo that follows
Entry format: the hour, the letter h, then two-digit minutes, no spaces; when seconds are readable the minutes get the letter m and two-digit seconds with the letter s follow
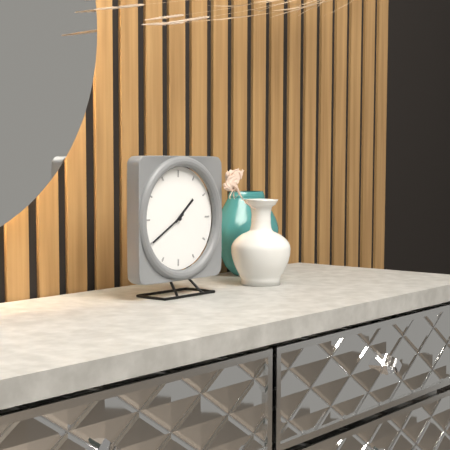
1h40
